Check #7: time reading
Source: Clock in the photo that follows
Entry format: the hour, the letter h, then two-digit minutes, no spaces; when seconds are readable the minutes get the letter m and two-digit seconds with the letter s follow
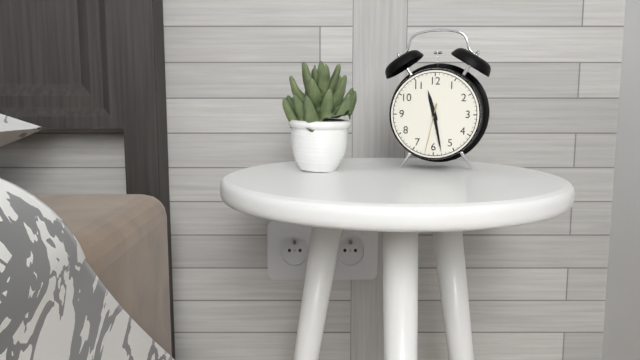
11h28m32s
